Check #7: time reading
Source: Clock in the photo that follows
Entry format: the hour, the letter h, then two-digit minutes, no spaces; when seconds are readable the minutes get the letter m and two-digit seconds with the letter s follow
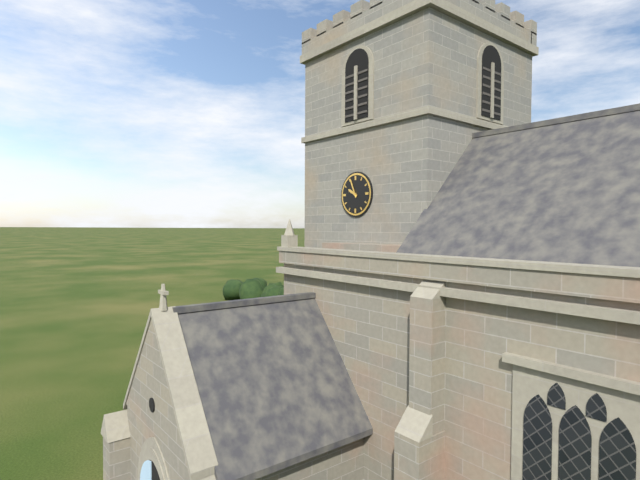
9h56
